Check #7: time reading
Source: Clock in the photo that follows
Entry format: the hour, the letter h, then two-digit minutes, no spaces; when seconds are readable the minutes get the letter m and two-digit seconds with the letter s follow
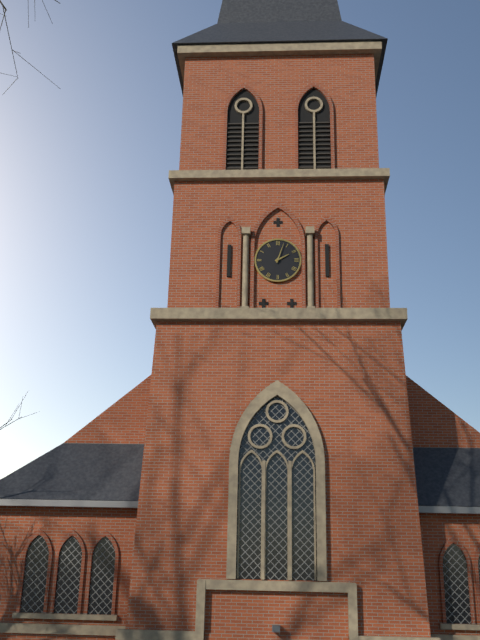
2h03
